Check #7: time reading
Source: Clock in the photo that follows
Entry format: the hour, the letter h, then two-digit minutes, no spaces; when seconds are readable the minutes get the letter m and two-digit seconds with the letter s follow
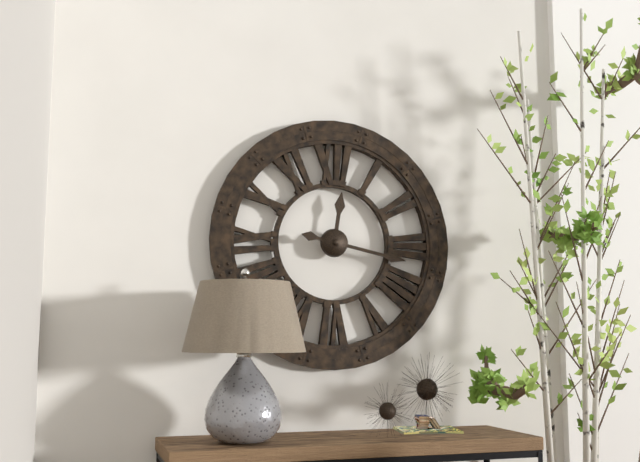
12h17
